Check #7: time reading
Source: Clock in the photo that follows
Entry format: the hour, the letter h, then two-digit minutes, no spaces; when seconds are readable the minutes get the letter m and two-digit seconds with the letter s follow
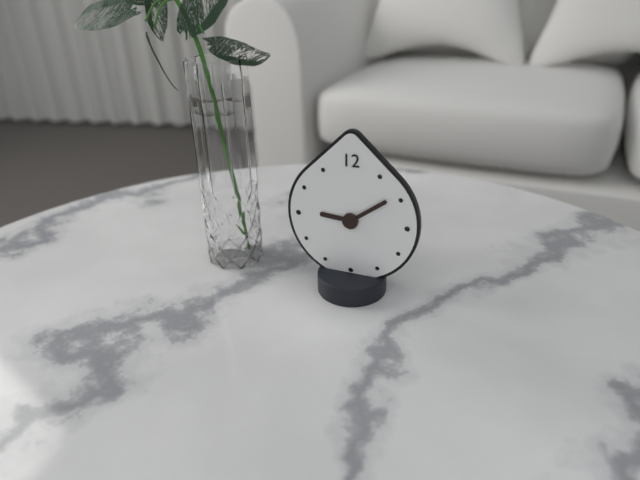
9h09
